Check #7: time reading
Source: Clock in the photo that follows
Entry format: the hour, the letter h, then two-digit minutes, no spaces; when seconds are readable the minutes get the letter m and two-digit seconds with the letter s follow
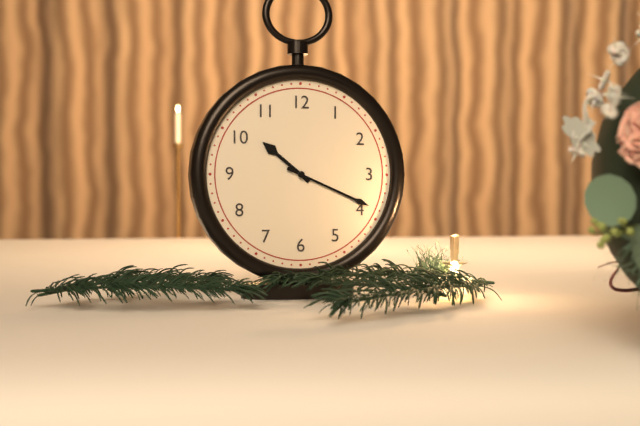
10h19
